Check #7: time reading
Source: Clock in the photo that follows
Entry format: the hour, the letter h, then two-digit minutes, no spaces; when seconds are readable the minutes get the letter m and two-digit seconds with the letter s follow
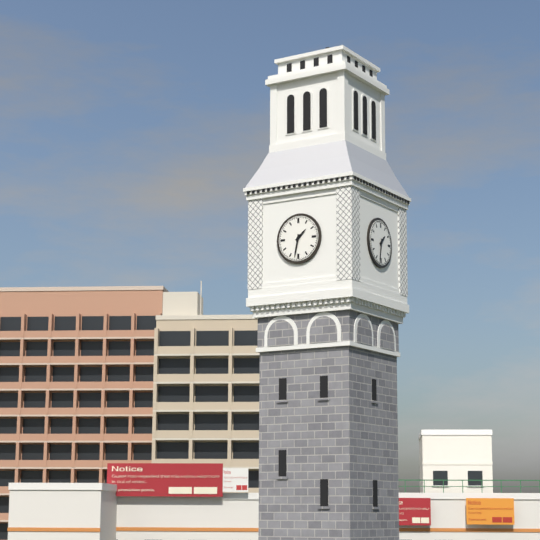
1h32
